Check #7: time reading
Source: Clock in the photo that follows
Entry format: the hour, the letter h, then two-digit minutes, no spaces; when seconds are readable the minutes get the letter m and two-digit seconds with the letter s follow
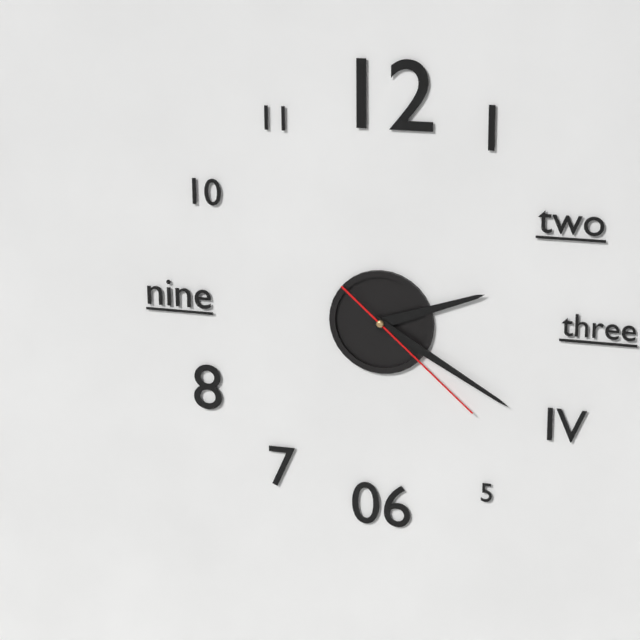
2h20m22s
